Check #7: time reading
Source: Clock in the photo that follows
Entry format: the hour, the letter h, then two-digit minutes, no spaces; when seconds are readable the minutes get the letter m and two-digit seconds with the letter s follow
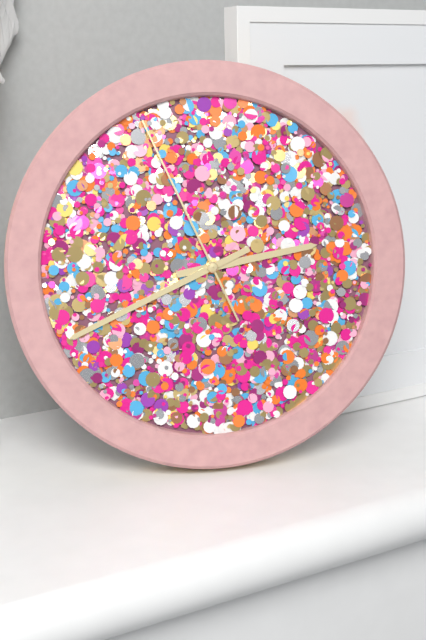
2h41m56s
